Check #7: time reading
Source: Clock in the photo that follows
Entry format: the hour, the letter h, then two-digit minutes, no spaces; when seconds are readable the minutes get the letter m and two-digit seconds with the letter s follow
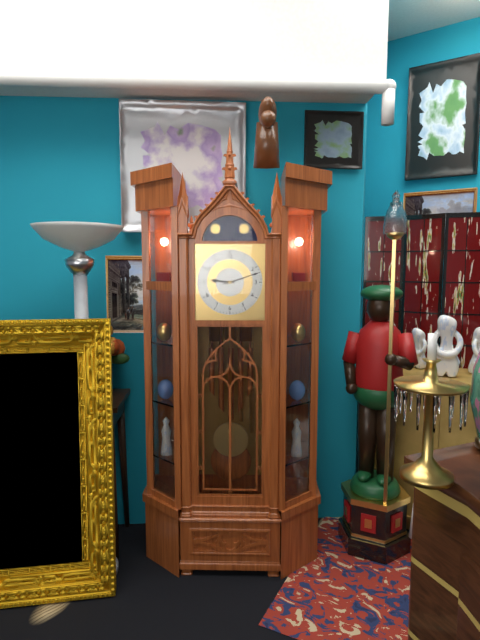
9h12
